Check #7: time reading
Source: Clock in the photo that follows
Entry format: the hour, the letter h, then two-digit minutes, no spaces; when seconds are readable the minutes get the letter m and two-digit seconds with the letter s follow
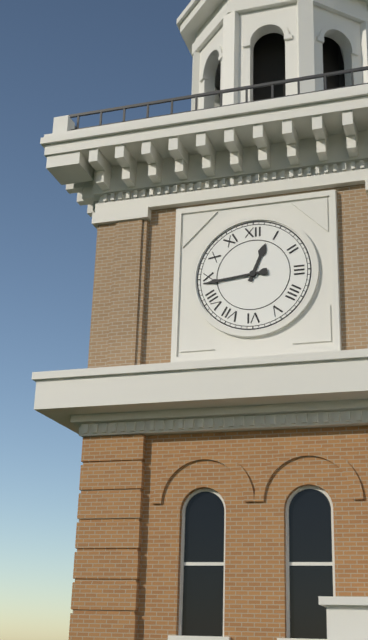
12h44
